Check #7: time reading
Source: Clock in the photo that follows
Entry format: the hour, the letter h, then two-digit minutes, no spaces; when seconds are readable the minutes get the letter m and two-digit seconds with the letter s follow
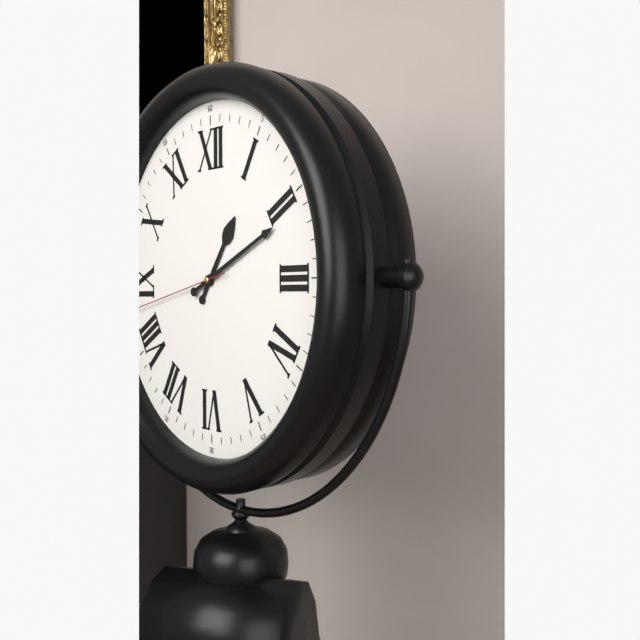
1h11m43s
